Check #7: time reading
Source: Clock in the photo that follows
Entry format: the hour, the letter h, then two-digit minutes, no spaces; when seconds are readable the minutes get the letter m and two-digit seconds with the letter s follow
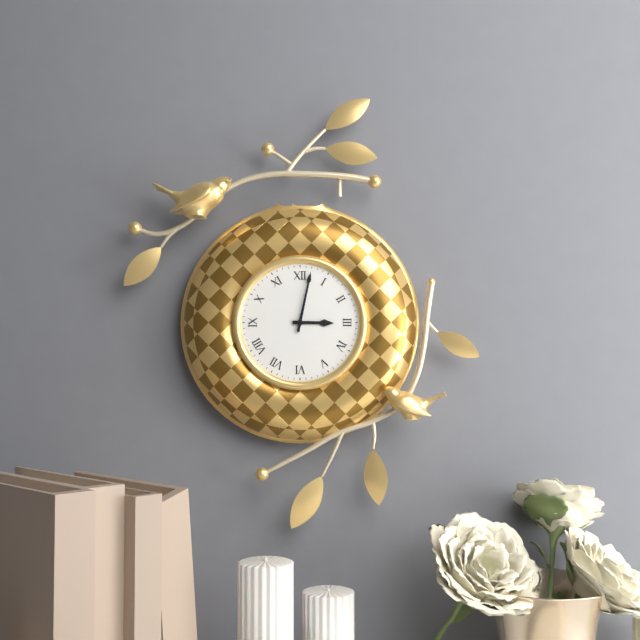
3h02
